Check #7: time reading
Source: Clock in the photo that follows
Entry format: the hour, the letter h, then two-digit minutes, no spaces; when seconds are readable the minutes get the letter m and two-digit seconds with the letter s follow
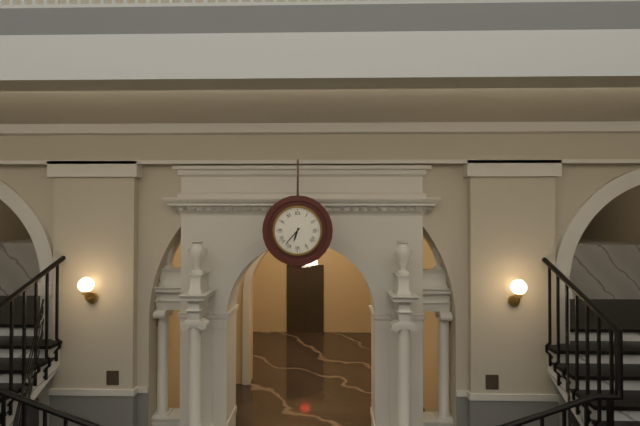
6h37
